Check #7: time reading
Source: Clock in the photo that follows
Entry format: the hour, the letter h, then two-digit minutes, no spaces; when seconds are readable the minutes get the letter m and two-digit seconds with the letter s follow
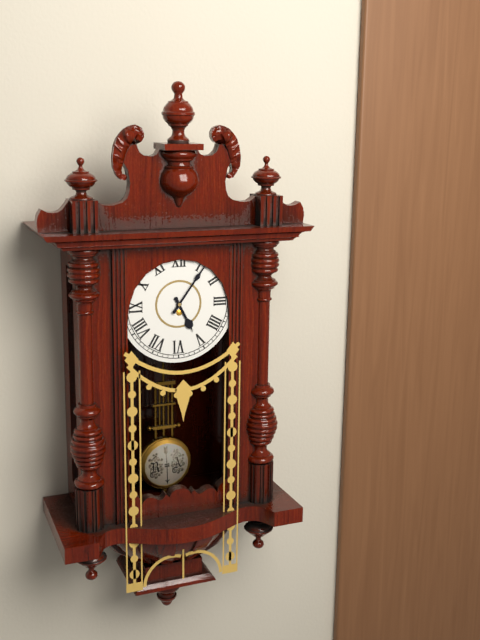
5h06
